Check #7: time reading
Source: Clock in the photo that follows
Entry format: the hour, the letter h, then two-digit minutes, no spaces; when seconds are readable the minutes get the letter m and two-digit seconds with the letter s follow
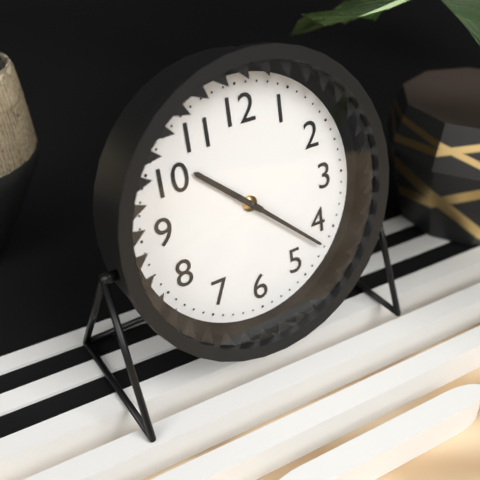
10h22
